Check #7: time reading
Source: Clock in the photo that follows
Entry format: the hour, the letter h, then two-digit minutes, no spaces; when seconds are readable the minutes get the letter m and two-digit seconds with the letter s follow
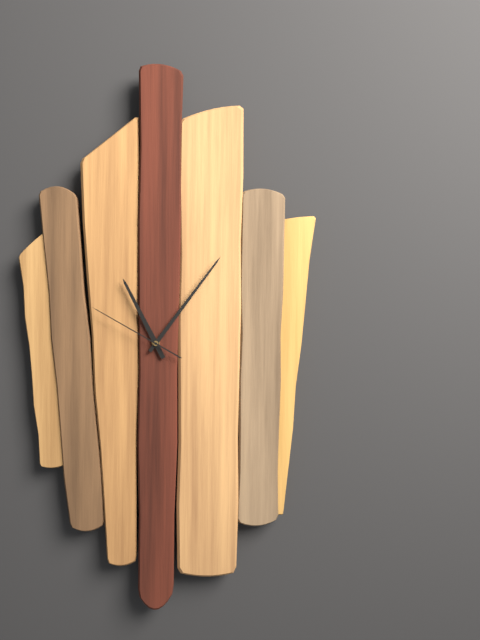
11h06m50s
